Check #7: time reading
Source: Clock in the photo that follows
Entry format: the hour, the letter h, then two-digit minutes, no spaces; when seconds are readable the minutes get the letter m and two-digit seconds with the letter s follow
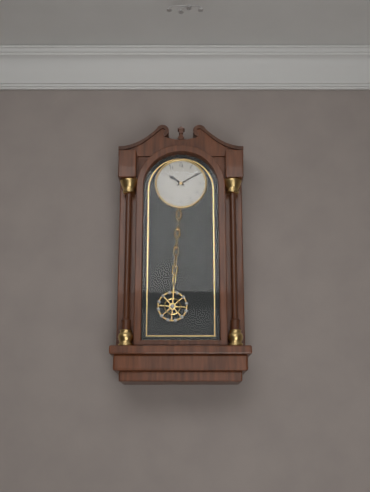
10h10
